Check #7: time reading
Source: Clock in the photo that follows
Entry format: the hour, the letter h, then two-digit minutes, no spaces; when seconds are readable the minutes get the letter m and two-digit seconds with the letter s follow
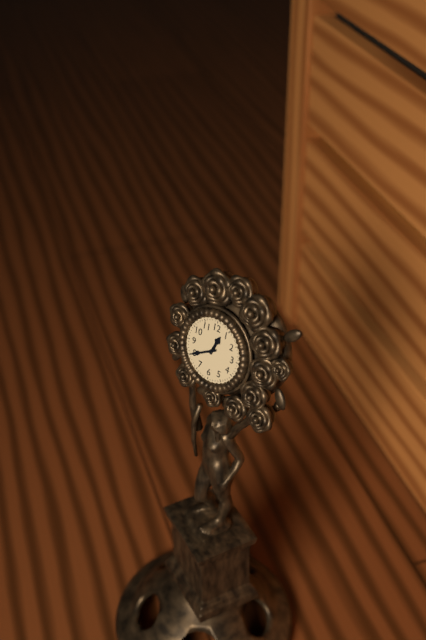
12h40
